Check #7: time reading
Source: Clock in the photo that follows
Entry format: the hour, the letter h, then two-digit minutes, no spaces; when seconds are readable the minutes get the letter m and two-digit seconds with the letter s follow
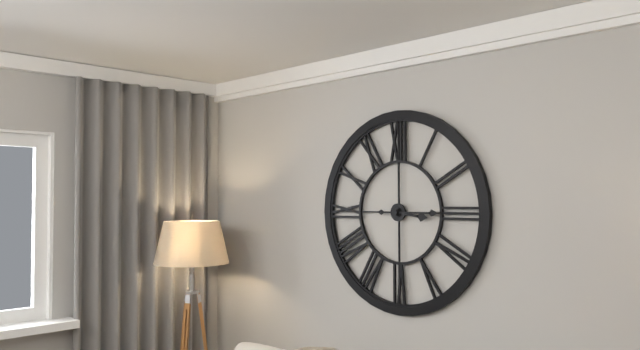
3h15
